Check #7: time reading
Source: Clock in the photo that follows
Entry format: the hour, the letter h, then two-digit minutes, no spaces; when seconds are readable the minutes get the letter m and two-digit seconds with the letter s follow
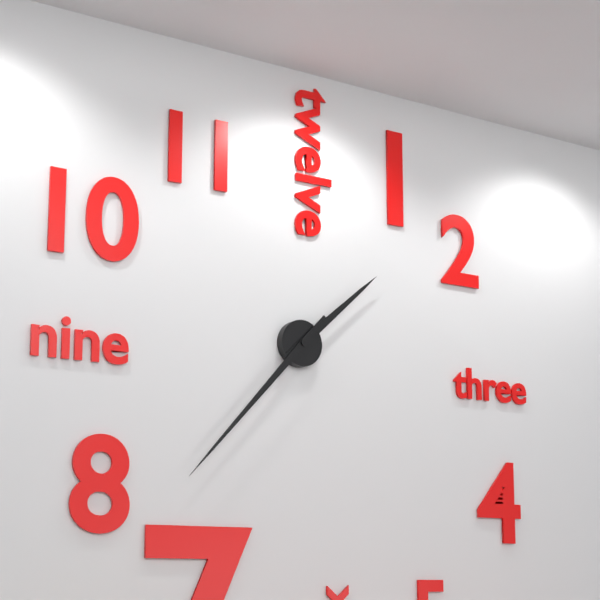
1h37
